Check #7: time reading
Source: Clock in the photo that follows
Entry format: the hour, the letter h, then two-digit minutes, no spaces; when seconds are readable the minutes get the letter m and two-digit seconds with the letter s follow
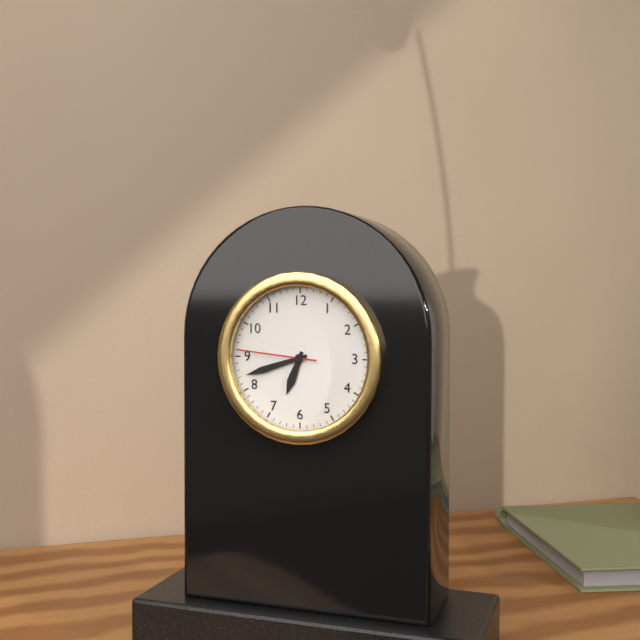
6h42m46s
